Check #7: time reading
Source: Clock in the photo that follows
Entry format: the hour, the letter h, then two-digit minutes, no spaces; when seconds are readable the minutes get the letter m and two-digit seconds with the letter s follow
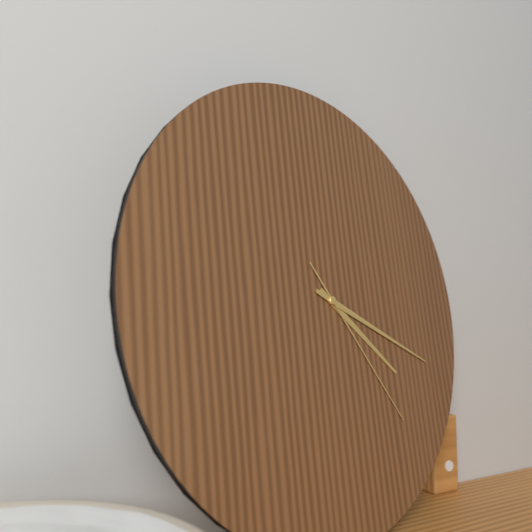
4h19m24s
